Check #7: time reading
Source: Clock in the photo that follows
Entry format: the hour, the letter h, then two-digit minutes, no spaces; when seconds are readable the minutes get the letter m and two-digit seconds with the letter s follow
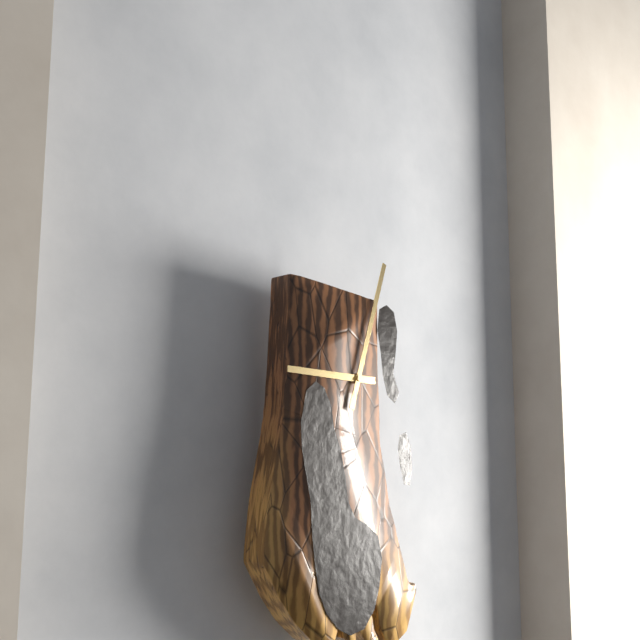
9h03
